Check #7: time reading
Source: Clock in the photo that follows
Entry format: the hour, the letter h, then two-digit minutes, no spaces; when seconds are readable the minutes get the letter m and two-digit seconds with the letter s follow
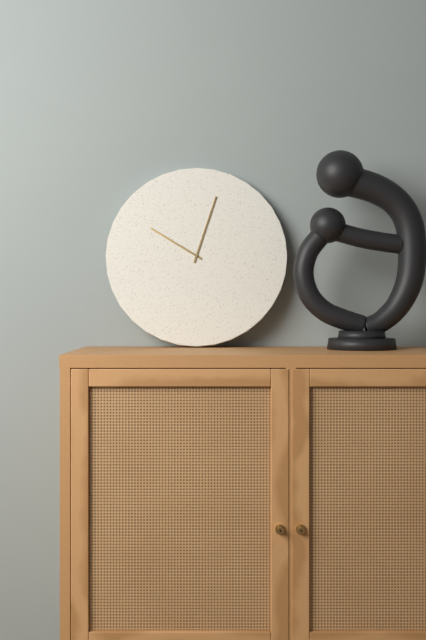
10h03
